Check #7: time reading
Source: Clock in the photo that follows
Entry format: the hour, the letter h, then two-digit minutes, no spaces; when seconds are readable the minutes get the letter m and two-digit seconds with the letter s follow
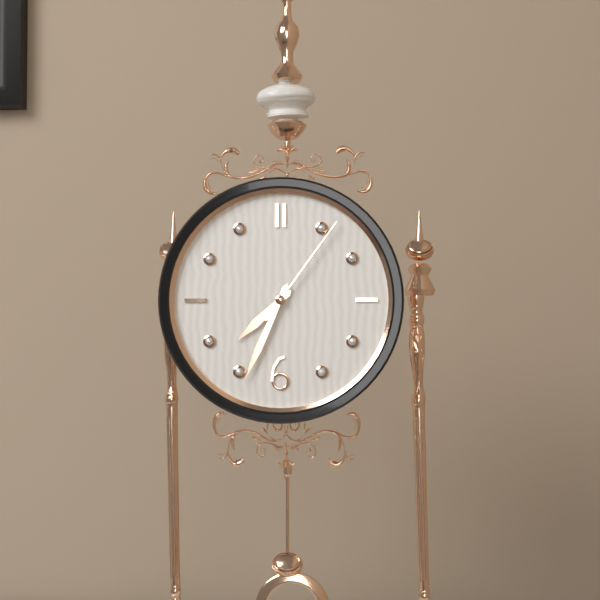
7h34m06s
